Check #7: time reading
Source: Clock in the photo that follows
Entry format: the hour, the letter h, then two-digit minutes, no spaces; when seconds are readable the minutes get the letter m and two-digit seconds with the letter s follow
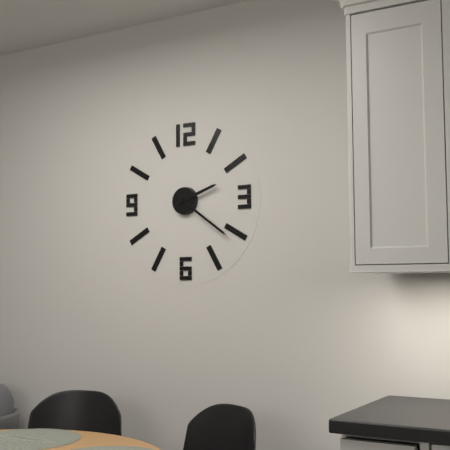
2h21
